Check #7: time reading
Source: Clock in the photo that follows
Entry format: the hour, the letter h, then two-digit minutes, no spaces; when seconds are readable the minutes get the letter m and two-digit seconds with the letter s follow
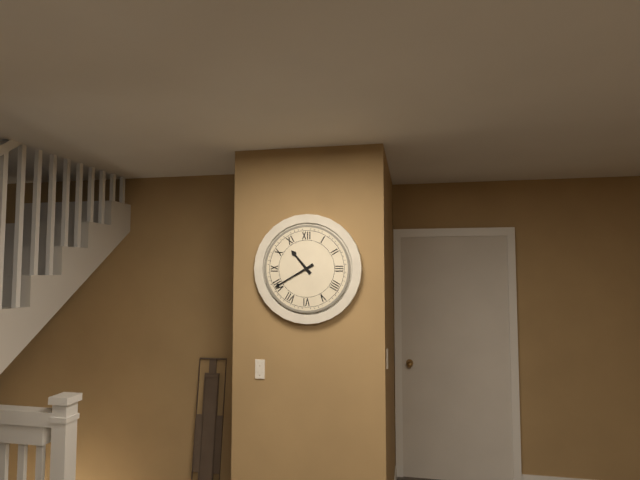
10h40
